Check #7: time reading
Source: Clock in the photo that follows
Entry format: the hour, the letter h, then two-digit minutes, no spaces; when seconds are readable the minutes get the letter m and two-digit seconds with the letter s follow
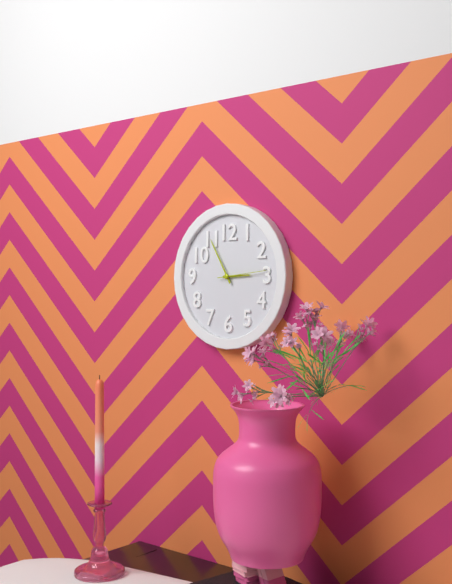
2h55m14s
